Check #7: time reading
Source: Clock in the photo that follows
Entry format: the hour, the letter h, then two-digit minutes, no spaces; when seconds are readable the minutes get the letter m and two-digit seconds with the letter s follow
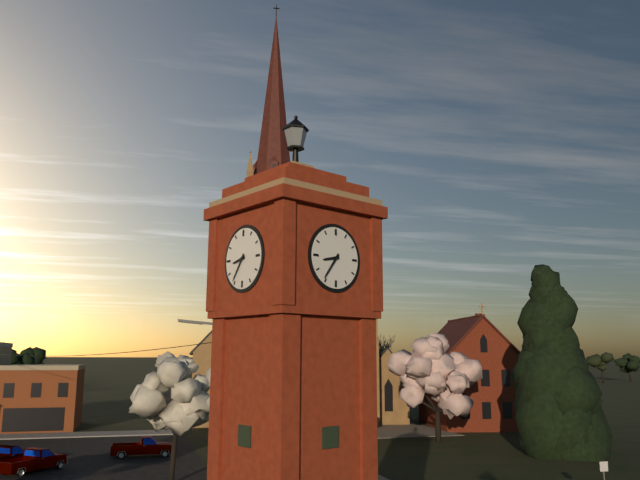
8h36
